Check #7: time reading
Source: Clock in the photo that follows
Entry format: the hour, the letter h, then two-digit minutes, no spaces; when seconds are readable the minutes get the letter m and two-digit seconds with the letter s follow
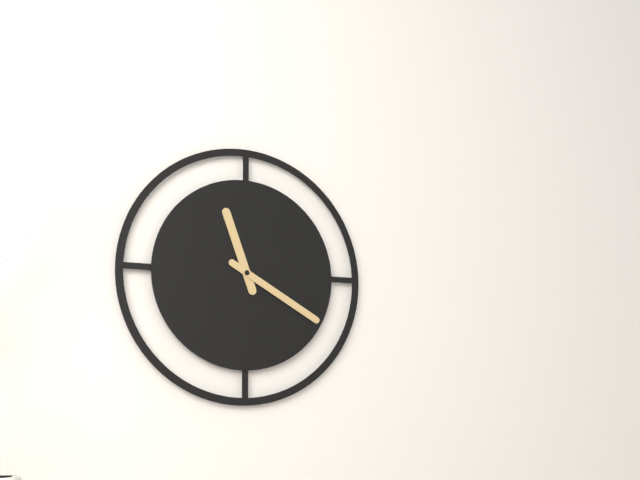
11h20
